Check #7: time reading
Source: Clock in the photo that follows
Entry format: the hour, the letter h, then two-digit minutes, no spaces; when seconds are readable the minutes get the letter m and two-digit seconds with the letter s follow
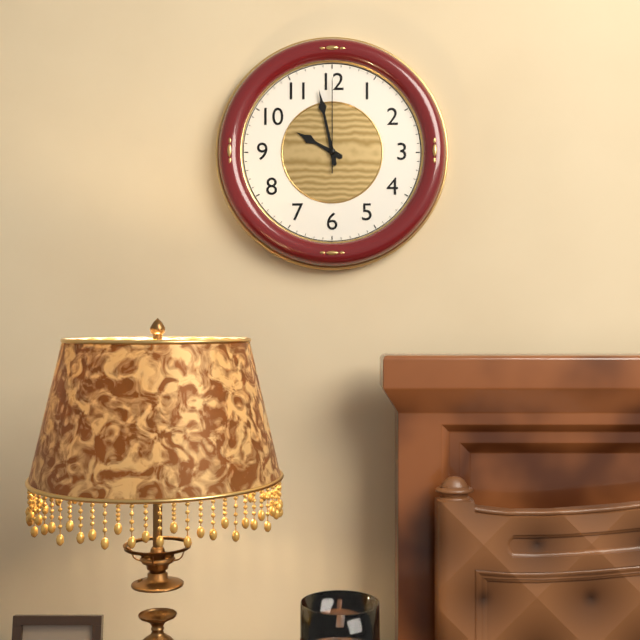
9h58m00s
